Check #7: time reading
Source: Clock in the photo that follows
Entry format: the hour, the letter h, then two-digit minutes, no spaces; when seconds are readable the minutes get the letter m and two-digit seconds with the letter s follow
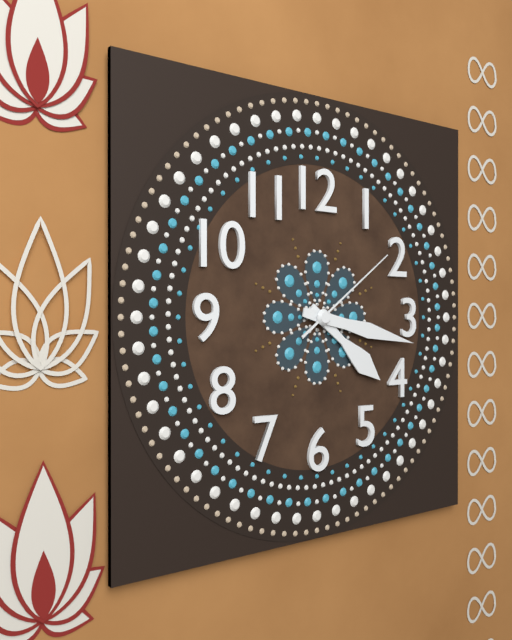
4h17m09s
